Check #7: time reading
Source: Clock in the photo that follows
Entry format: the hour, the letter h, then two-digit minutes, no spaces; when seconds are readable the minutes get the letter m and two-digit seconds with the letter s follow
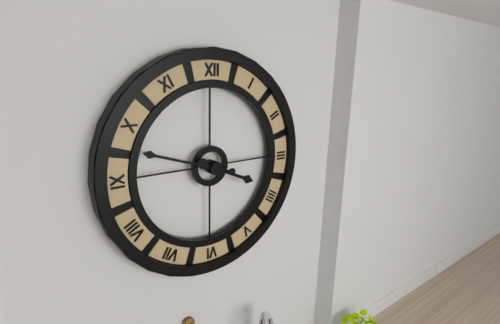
3h48
